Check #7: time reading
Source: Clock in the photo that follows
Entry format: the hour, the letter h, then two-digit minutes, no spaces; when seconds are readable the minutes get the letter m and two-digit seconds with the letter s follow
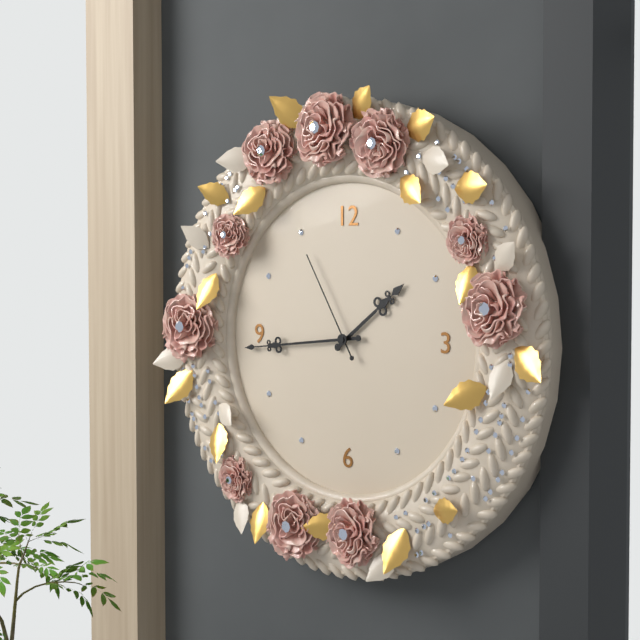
1h44m55s
